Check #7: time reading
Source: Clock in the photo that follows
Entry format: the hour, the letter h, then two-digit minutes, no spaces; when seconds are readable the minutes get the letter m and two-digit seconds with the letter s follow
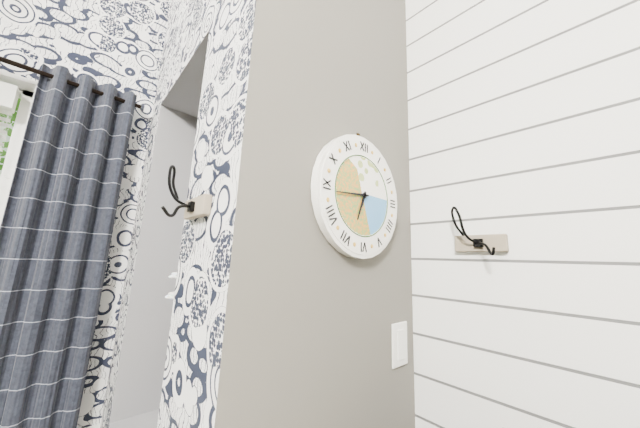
6h44
